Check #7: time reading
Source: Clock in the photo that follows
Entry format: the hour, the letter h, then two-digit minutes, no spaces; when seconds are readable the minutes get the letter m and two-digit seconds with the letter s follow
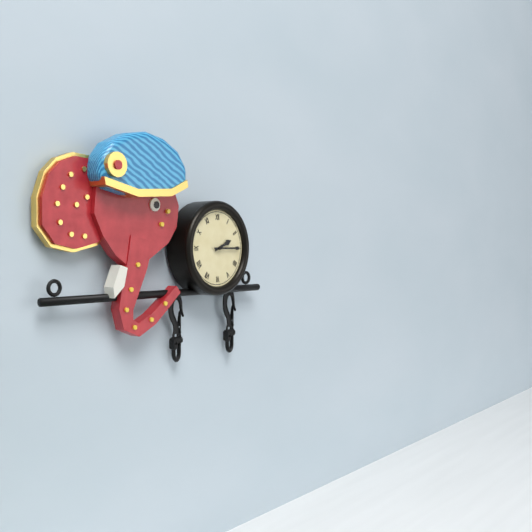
2h15
